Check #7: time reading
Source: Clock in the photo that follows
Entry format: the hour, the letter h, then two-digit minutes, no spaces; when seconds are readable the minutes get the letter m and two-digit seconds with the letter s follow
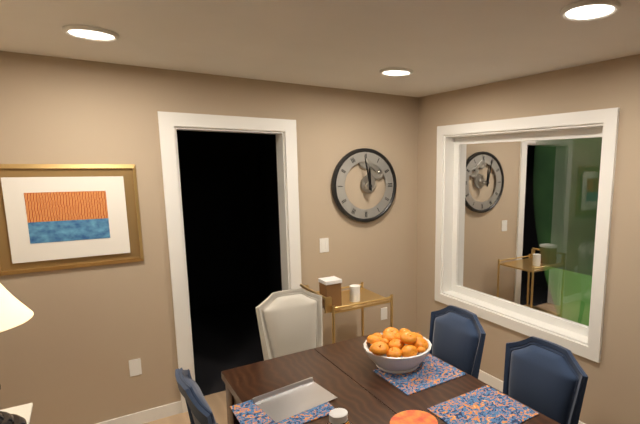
11h58
